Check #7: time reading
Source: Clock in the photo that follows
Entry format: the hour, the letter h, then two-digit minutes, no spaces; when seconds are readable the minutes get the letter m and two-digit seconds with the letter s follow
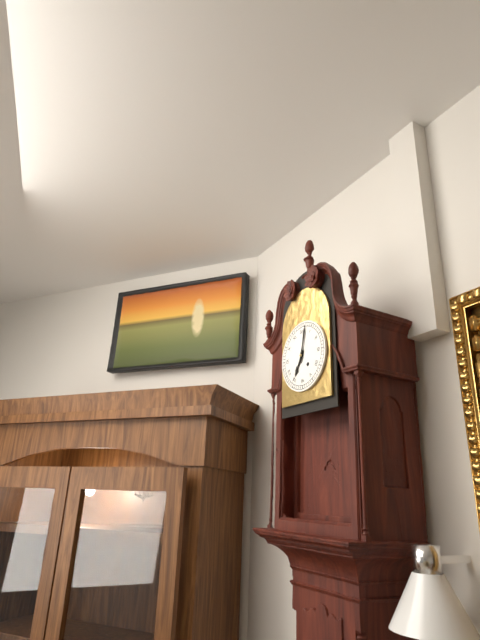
7h02
